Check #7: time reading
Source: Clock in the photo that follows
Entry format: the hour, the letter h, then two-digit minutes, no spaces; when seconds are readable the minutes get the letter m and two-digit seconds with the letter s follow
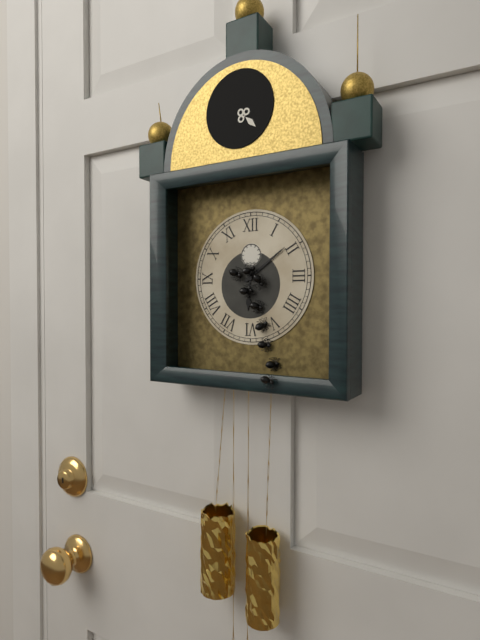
6h09
